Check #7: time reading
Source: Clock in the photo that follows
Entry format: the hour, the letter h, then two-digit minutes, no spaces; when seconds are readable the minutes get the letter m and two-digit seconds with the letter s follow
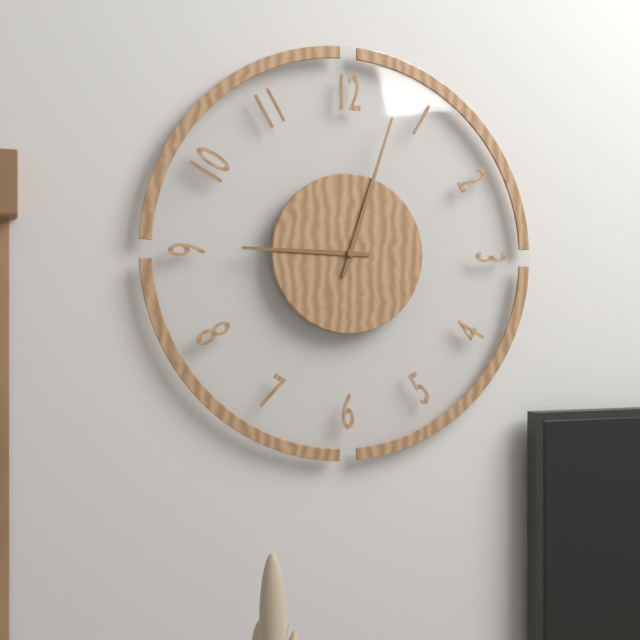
9h03
